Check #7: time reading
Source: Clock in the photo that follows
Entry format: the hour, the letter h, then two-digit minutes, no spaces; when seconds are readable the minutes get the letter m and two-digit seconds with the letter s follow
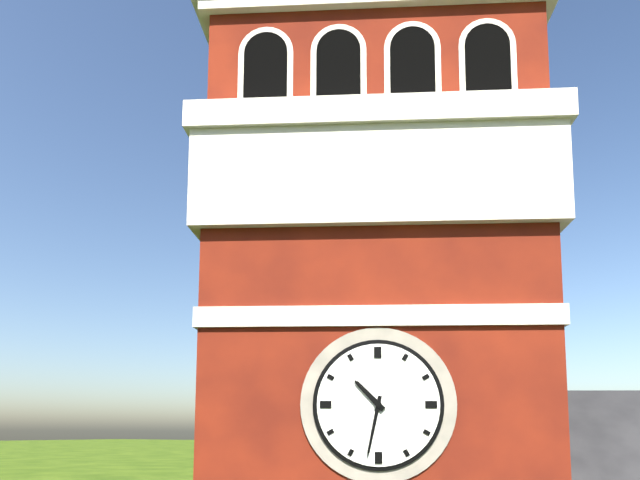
10h32
